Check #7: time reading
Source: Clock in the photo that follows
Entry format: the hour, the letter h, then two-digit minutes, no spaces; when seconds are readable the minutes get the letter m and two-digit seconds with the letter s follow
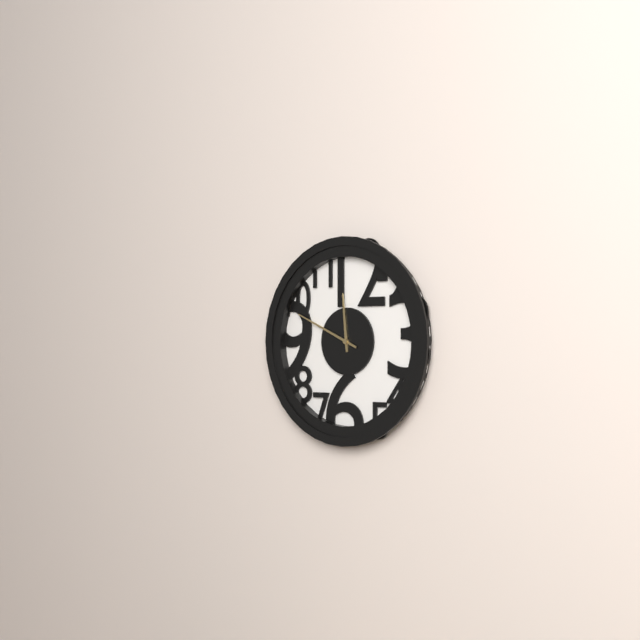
11h49
